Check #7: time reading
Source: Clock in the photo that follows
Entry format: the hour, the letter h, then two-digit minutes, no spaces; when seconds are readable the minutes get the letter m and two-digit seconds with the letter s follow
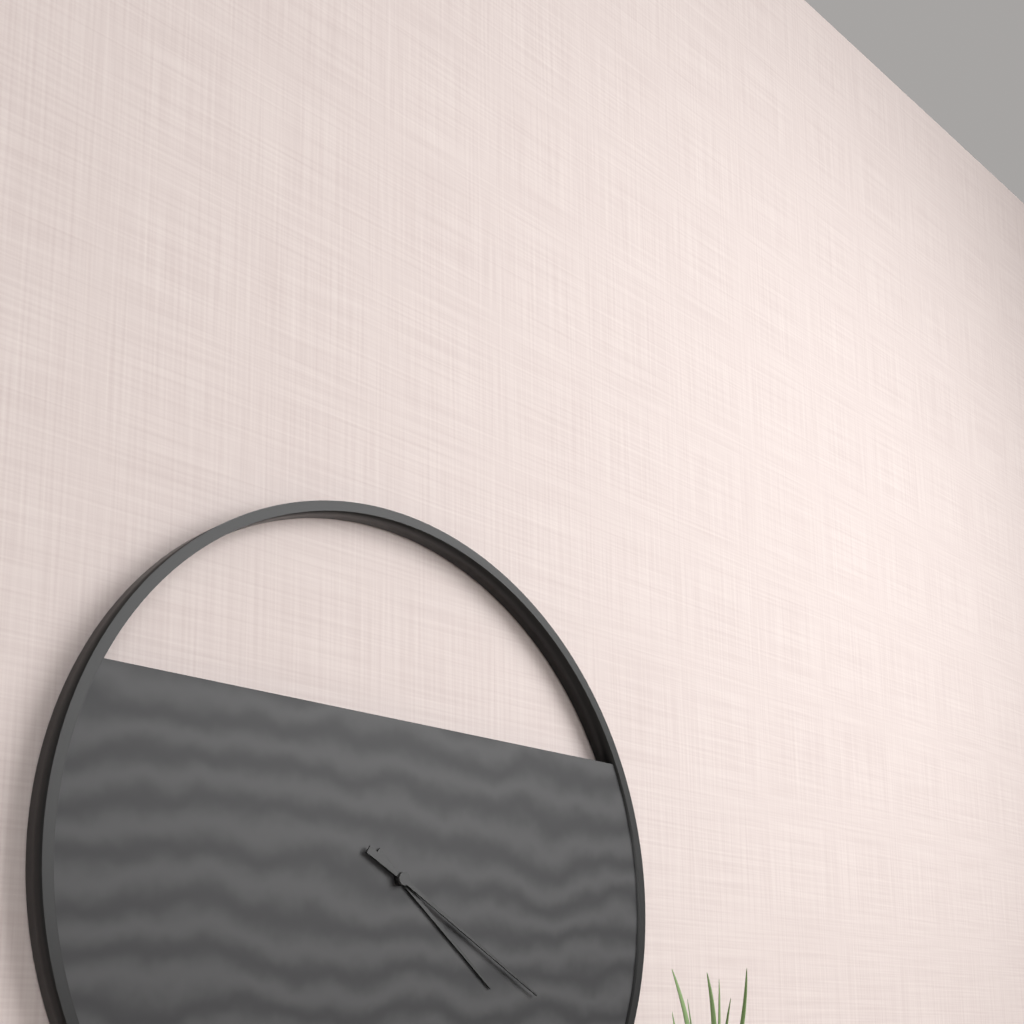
4h20
